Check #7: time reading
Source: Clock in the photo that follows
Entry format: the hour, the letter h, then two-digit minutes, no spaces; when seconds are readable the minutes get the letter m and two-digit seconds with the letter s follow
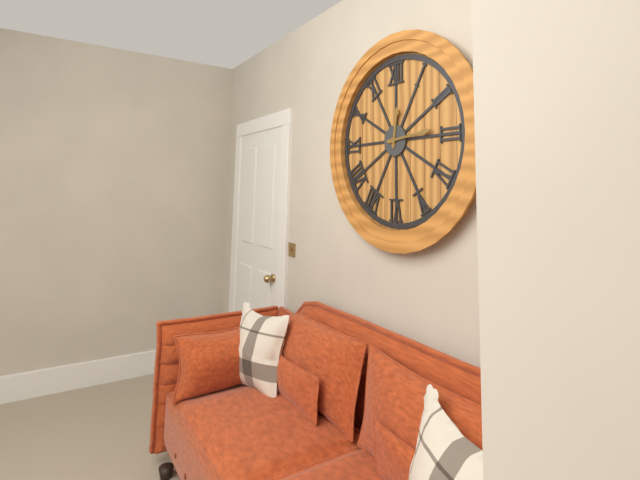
12h14
